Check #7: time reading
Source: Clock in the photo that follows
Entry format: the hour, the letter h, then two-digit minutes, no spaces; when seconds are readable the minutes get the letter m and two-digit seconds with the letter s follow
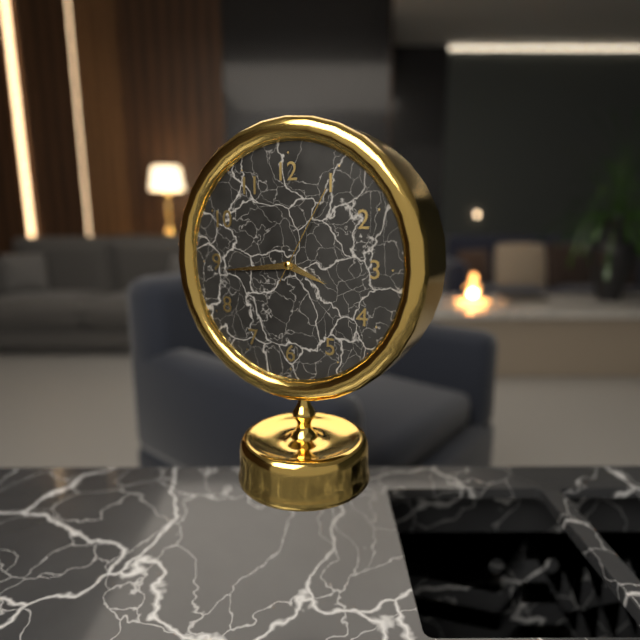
3h44m05s
